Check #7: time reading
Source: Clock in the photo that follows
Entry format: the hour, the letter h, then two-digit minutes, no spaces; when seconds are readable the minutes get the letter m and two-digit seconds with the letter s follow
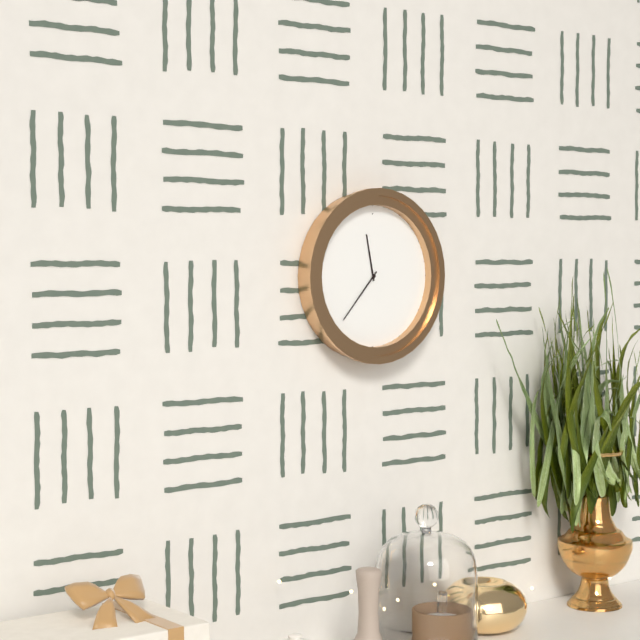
11h37
